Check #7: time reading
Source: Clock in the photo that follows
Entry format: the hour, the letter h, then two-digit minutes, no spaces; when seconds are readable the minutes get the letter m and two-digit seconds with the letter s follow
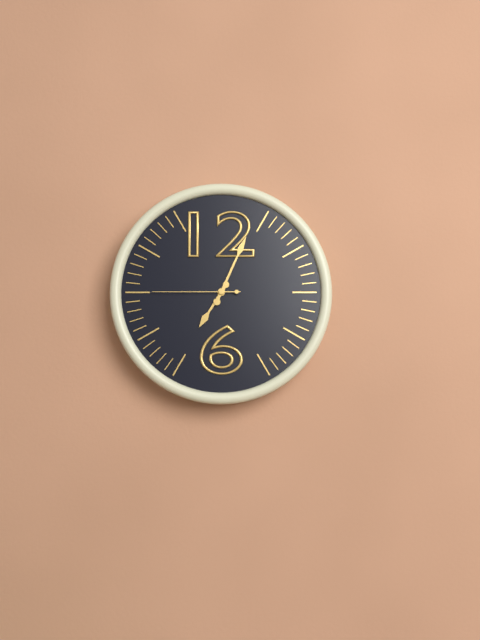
7h04m45s
